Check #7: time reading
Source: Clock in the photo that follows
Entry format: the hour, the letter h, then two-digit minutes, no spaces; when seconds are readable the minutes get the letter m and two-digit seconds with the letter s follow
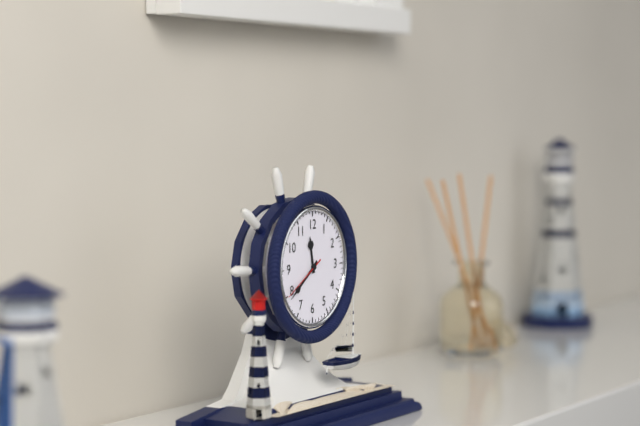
11h39
